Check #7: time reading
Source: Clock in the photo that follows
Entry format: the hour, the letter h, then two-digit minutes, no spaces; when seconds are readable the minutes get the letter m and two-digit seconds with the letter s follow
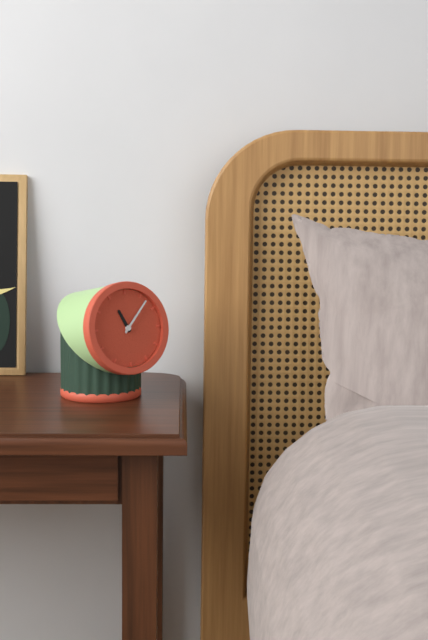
11h07
